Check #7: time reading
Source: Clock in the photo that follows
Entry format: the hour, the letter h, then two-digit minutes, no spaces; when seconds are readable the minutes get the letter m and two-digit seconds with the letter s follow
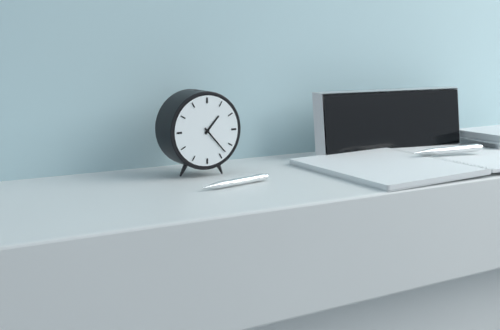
1h23
